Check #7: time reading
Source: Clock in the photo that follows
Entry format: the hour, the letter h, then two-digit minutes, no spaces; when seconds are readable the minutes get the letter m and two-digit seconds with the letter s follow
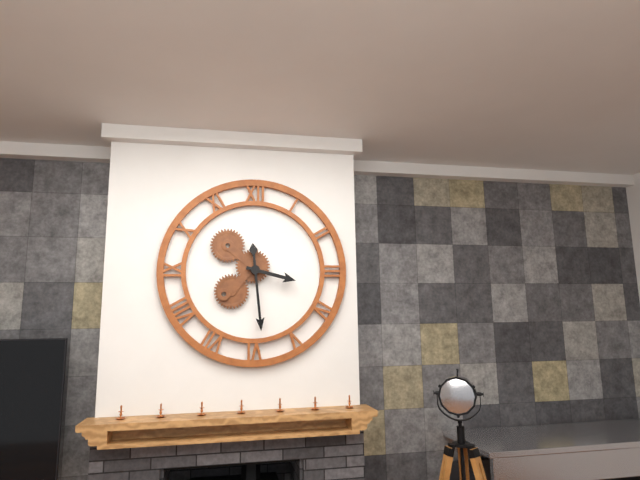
3h29
